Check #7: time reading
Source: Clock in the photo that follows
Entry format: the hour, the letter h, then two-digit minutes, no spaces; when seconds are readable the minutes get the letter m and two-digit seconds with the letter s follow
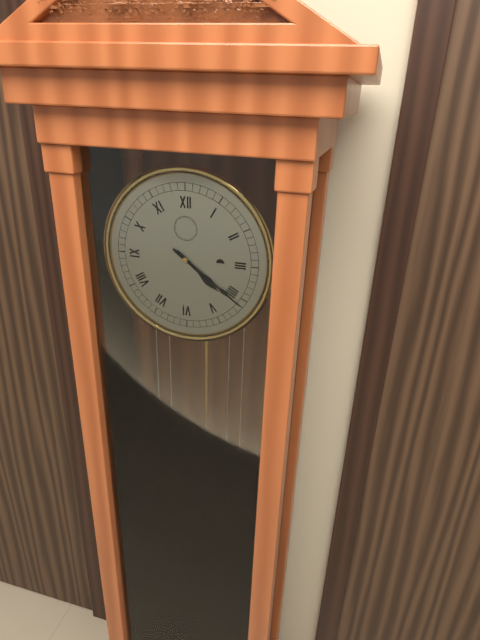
4h21
